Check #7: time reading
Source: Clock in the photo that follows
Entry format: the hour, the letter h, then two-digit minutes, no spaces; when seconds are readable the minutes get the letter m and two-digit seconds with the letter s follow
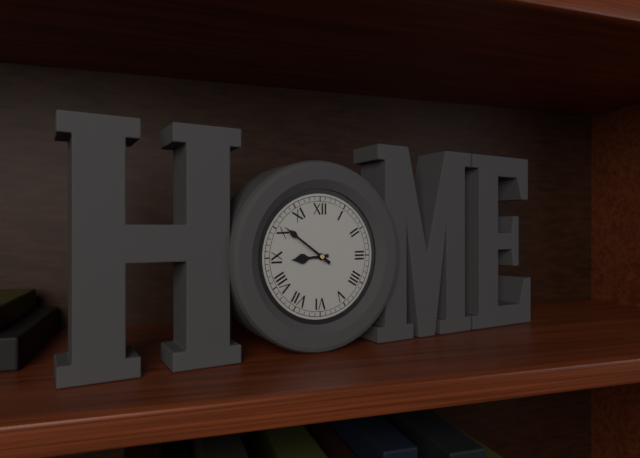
8h51
